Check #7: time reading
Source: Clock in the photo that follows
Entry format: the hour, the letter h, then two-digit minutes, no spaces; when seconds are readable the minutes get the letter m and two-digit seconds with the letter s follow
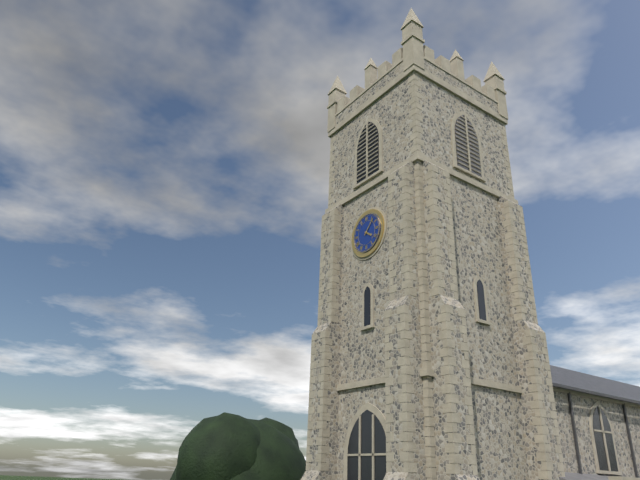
4h07
